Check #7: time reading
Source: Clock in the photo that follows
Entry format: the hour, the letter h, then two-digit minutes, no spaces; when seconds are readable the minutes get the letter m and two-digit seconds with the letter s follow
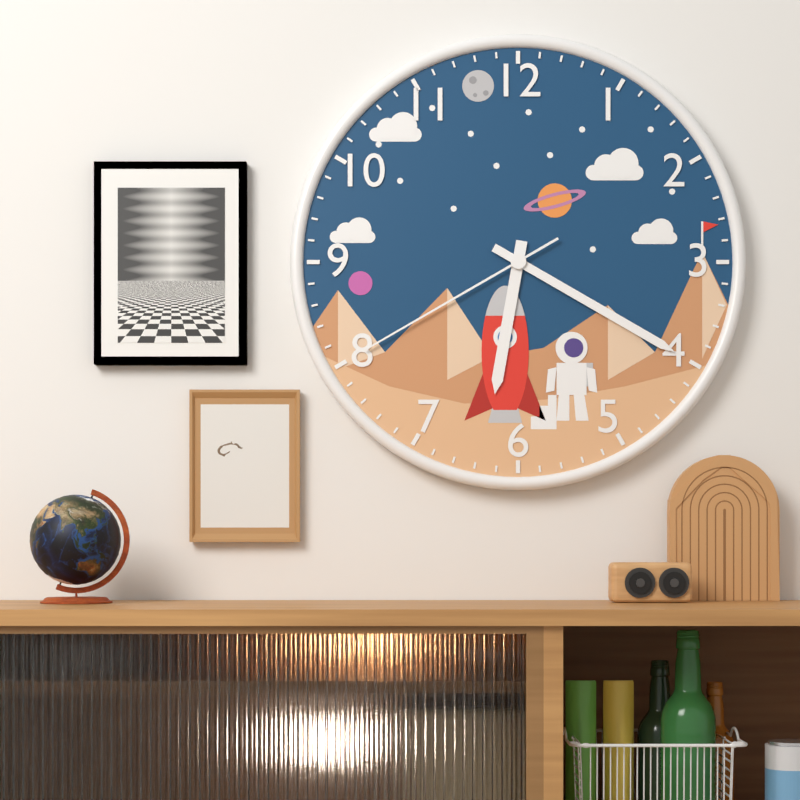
6h20m40s
